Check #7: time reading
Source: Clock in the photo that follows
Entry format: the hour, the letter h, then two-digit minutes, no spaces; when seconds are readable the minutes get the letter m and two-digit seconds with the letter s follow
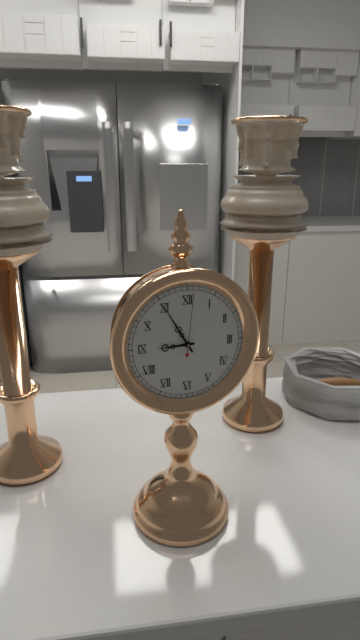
8h55m01s
